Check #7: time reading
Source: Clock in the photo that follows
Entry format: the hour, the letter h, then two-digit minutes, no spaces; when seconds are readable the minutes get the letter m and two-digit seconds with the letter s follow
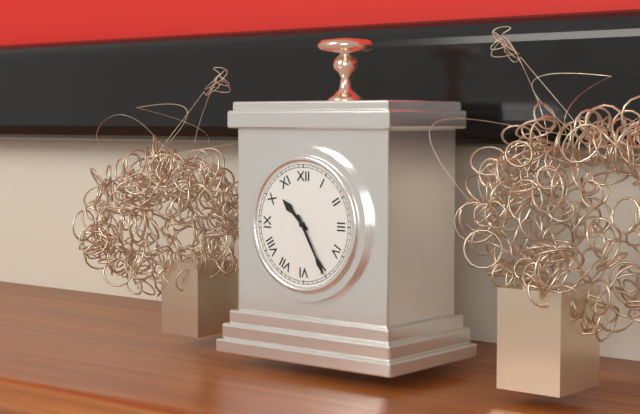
10h25
